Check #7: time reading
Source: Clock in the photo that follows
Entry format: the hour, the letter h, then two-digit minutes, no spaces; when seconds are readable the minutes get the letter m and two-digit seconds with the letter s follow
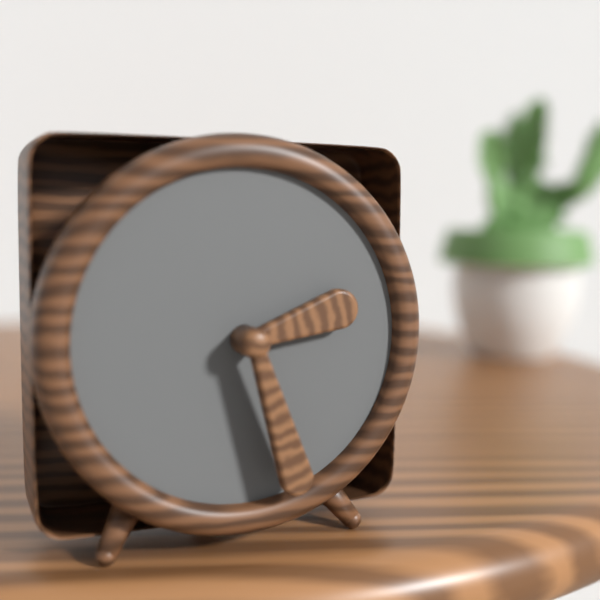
2h27
